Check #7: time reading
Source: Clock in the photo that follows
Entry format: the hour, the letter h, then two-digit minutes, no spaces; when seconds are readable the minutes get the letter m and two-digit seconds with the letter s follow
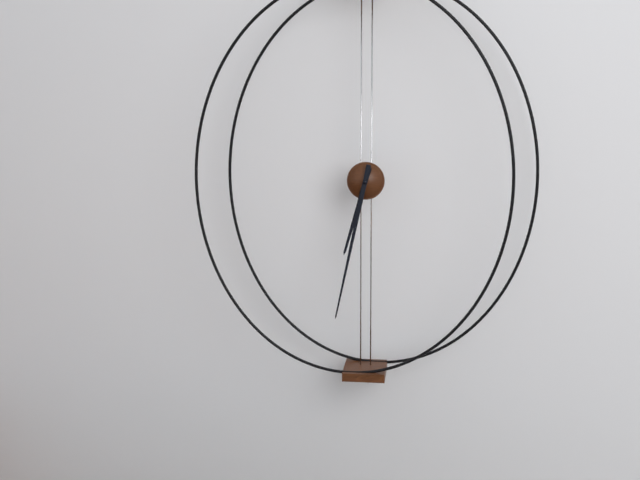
6h32
